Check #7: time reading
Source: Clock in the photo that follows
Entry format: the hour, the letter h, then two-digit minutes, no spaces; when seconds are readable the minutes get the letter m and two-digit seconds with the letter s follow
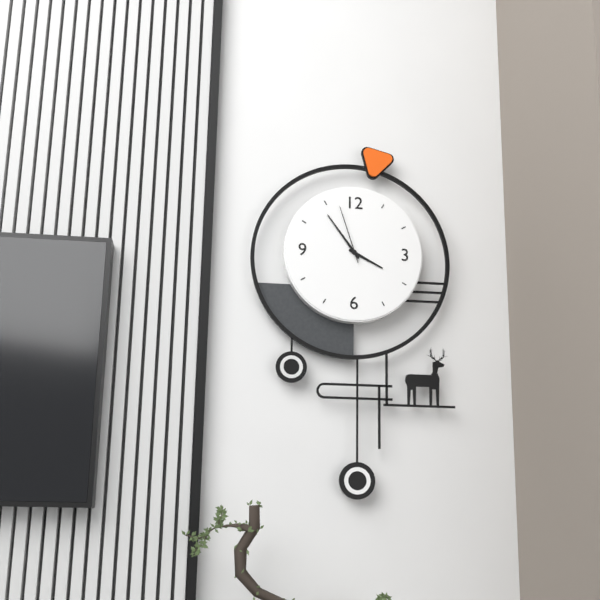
3h54m57s
